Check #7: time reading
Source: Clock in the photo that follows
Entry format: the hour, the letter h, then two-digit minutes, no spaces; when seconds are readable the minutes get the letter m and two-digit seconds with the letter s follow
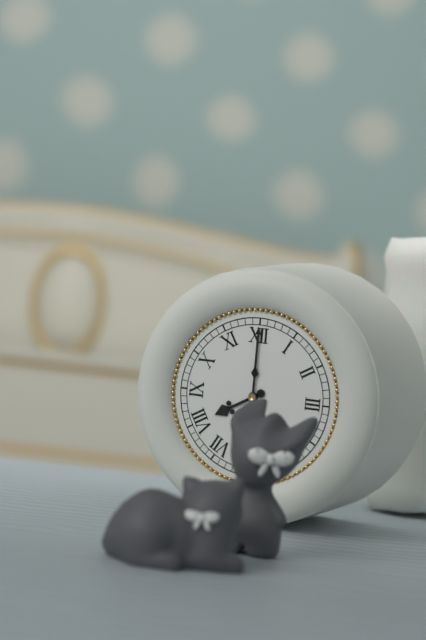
8h00
